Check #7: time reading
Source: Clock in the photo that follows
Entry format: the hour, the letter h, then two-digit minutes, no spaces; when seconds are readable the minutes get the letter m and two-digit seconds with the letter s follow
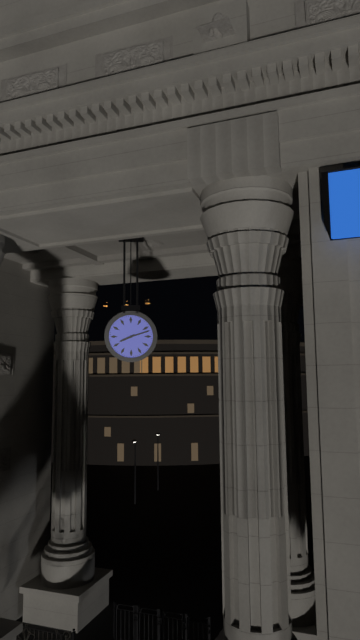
8h12
